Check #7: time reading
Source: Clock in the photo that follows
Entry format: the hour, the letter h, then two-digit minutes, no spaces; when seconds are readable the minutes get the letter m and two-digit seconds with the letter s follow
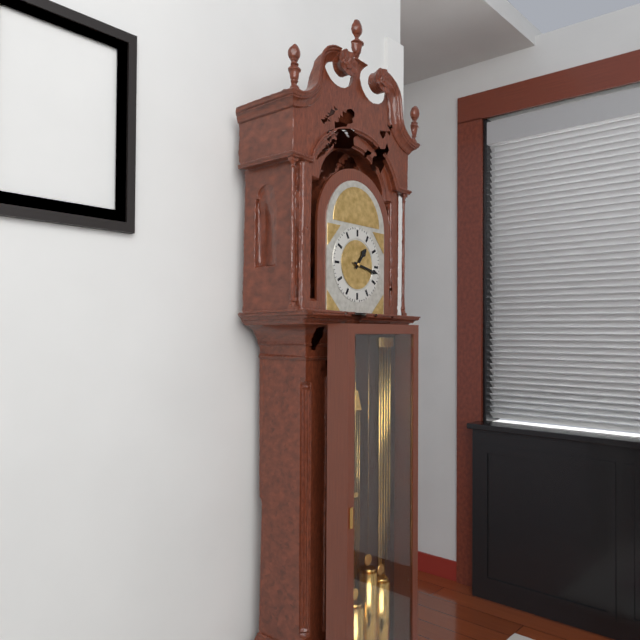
1h17
